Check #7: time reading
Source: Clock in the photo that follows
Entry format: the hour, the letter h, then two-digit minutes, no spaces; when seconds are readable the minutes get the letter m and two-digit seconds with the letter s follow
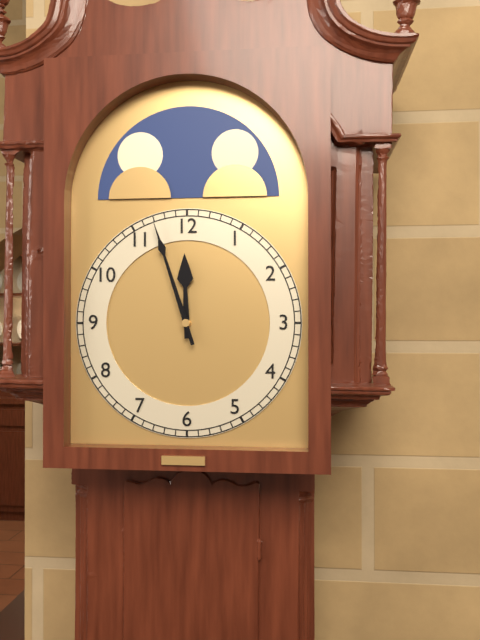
11h57
